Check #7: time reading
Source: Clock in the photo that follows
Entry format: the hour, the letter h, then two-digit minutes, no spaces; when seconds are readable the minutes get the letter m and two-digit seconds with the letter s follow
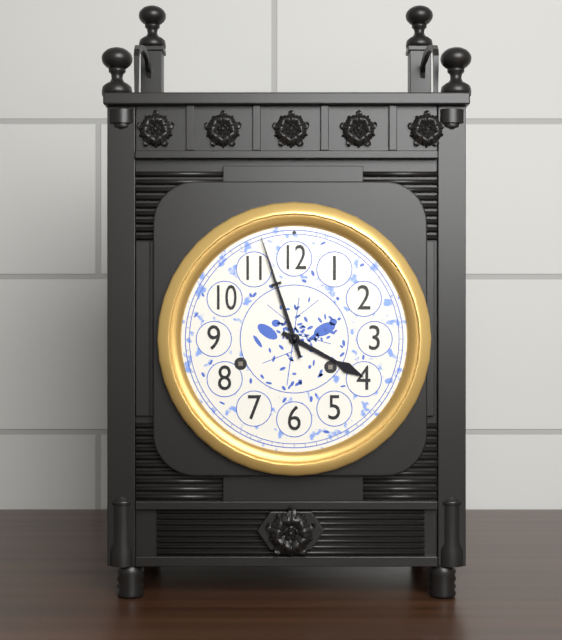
3h57
